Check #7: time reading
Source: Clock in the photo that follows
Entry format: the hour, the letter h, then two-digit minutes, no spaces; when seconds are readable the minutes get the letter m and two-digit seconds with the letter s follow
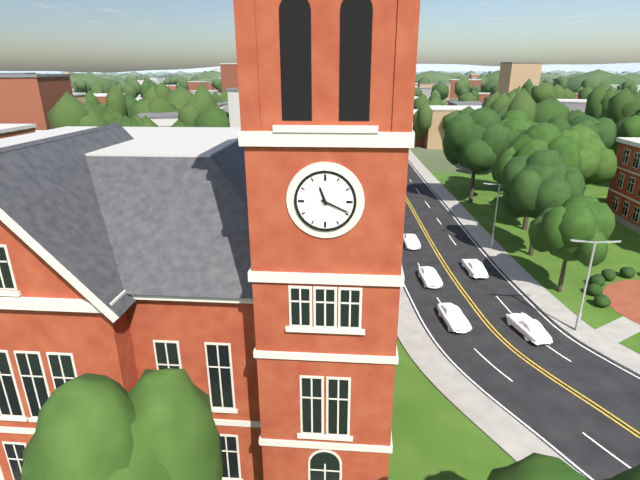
11h19
